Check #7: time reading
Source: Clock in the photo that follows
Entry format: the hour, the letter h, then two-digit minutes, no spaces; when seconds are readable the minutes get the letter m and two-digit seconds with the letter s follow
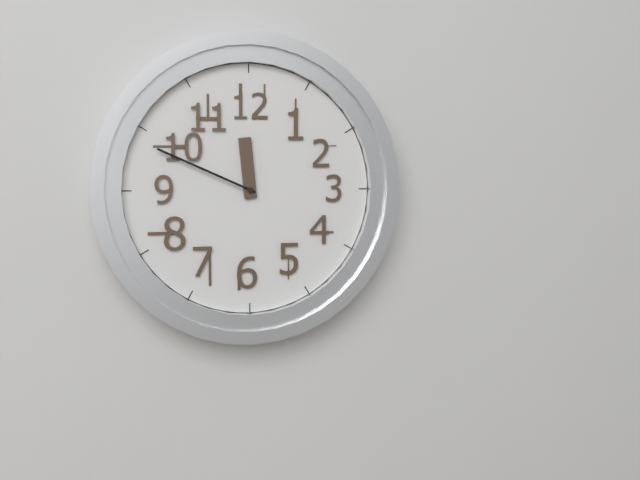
11h49
